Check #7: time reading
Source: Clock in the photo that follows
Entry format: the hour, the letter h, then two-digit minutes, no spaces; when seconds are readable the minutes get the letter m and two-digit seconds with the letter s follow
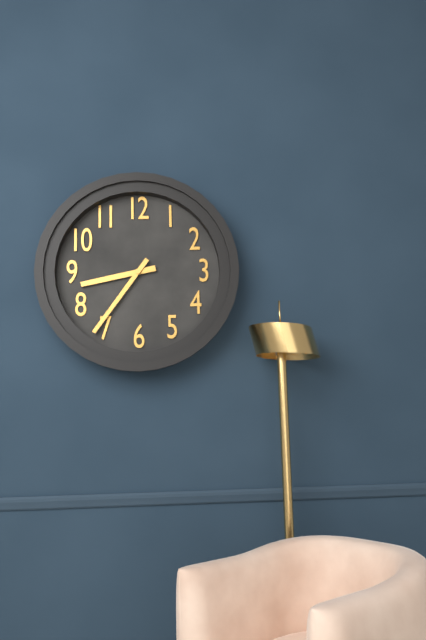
8h36
